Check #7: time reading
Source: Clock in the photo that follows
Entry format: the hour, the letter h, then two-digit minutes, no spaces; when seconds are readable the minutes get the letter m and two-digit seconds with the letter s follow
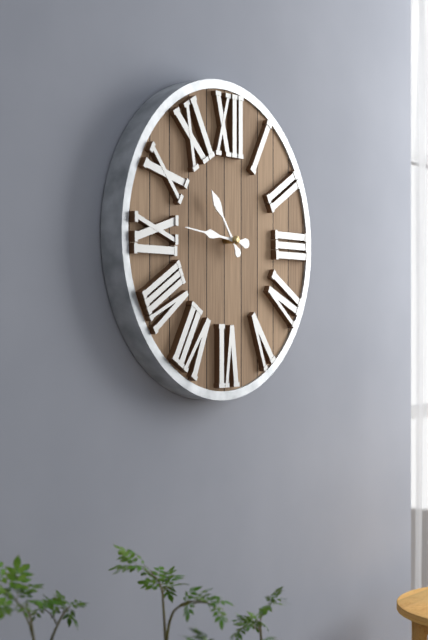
10h46
